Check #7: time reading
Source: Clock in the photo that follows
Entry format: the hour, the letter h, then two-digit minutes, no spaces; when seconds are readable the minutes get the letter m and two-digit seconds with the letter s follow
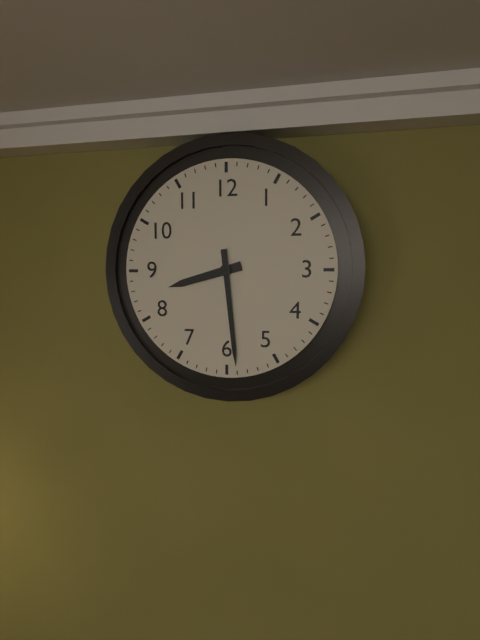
8h29
